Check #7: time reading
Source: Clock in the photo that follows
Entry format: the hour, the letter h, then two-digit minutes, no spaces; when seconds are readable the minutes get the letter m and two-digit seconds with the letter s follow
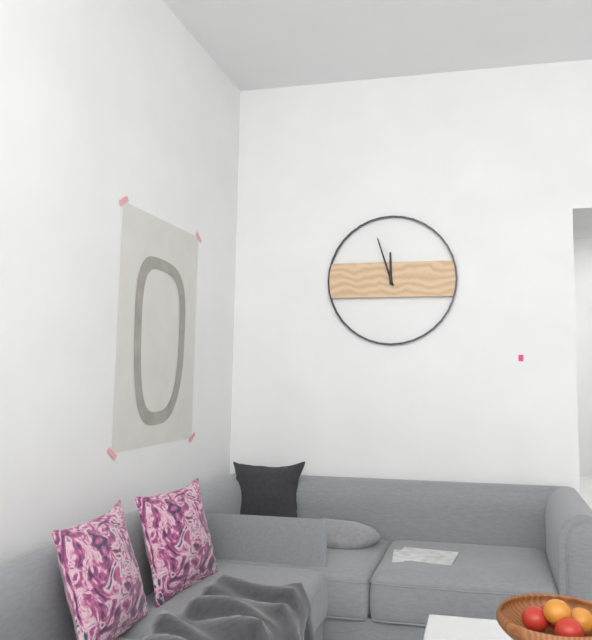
11h57
